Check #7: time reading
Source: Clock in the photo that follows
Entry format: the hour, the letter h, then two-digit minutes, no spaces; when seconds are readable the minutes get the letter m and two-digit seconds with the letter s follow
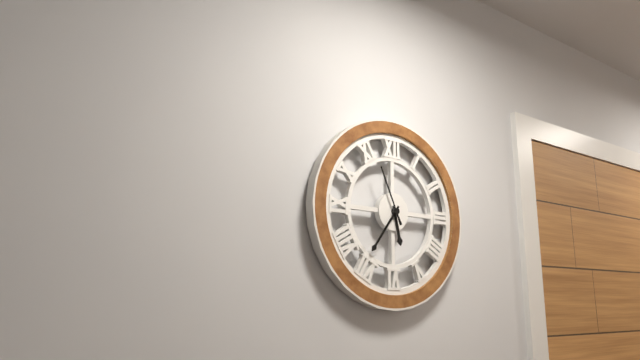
5h36m56s
